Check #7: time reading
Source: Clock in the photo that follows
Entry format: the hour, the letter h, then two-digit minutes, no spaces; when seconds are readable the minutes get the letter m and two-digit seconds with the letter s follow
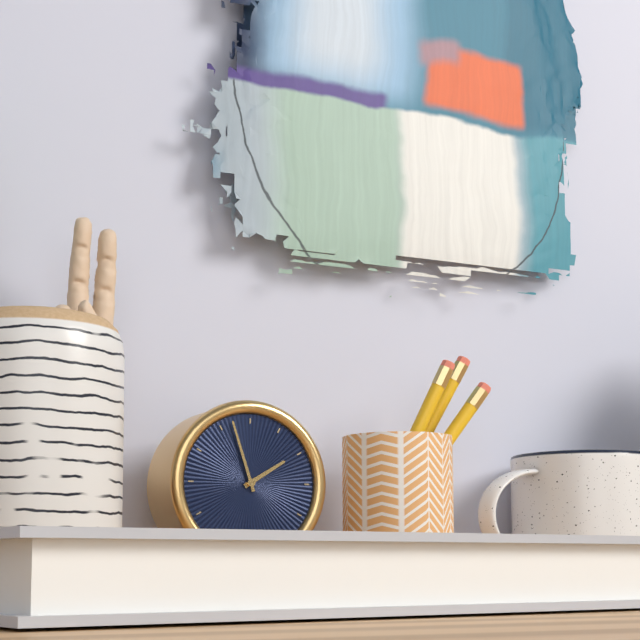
1h57
